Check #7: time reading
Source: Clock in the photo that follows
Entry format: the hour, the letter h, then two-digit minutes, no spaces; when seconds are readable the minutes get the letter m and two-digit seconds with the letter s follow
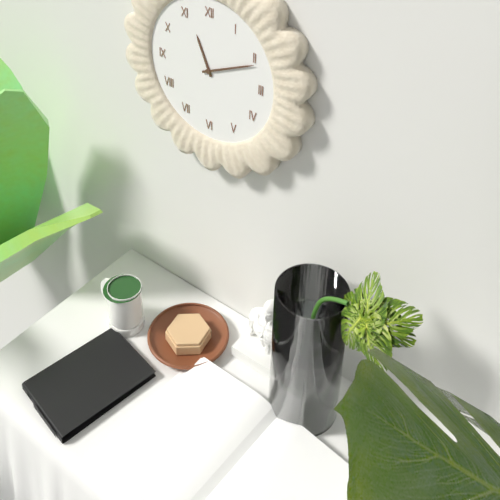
11h11
